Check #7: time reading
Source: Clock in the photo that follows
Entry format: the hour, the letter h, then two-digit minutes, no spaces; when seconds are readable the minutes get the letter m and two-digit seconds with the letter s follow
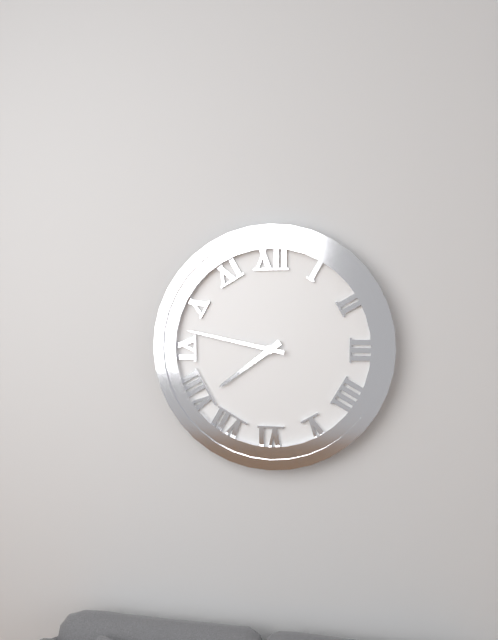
7h47
